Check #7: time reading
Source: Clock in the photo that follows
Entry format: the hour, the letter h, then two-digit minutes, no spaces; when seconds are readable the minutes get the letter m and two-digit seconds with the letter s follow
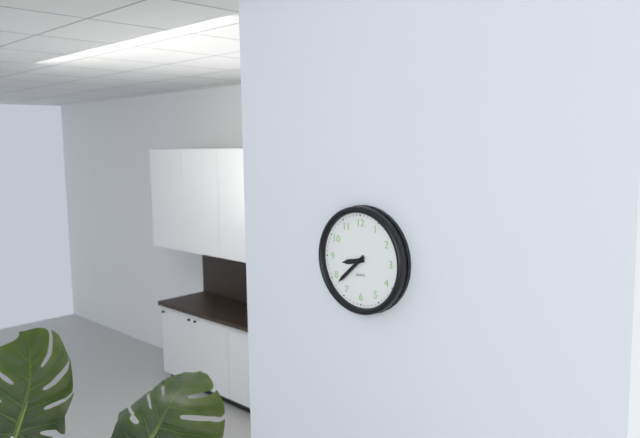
8h38
